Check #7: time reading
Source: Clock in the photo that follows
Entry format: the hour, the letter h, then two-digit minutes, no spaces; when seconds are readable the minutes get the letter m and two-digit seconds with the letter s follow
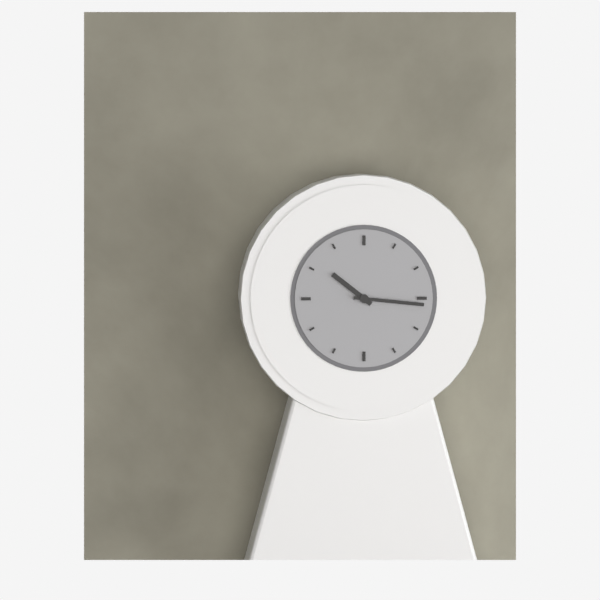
10h16
